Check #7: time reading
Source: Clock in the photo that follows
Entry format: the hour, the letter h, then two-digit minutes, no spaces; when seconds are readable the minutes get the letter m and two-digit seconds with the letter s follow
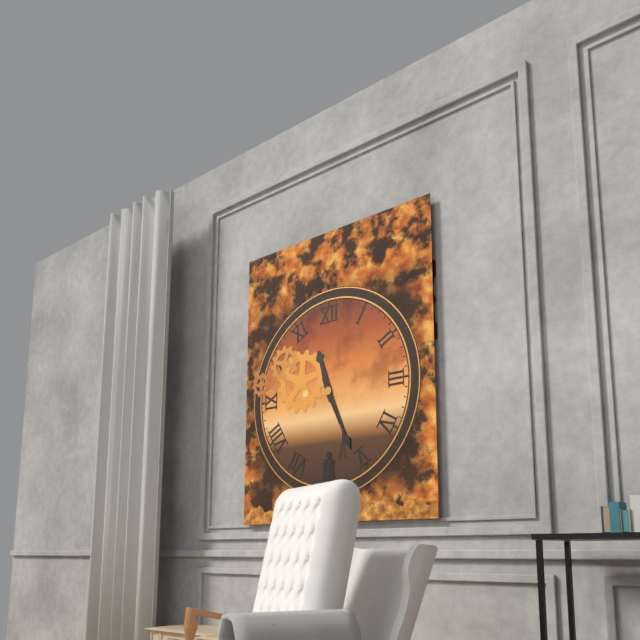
11h26
